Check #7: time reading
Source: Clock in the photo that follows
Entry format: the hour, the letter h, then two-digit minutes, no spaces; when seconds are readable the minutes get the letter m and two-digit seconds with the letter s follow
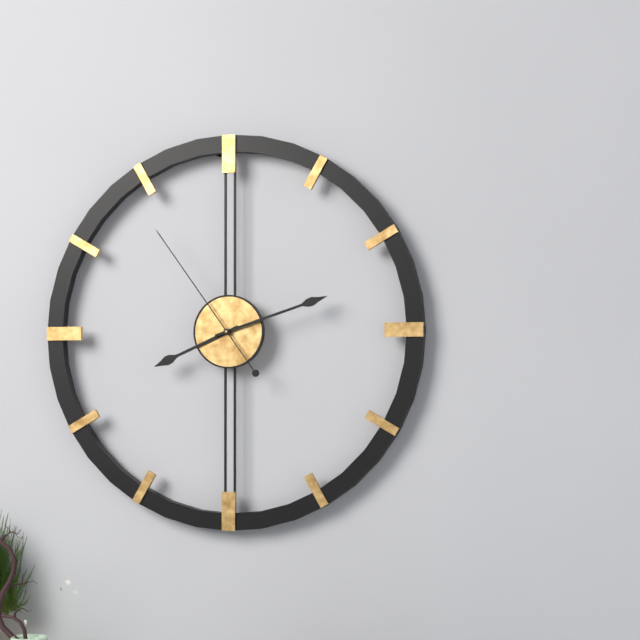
8h12m54s
